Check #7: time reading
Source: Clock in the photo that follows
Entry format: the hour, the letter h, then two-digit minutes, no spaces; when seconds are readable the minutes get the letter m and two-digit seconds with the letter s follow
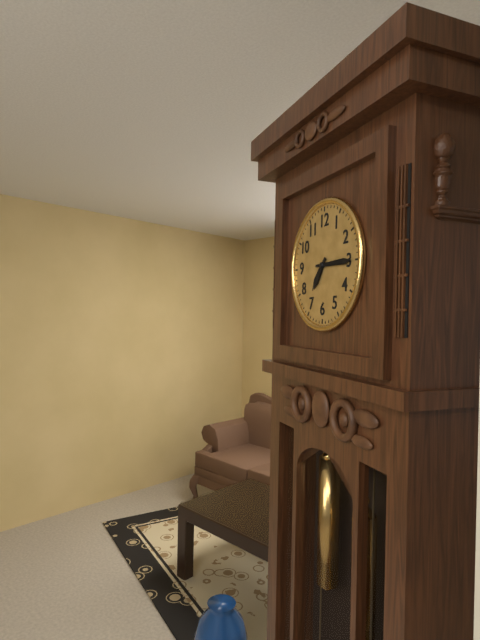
7h15
